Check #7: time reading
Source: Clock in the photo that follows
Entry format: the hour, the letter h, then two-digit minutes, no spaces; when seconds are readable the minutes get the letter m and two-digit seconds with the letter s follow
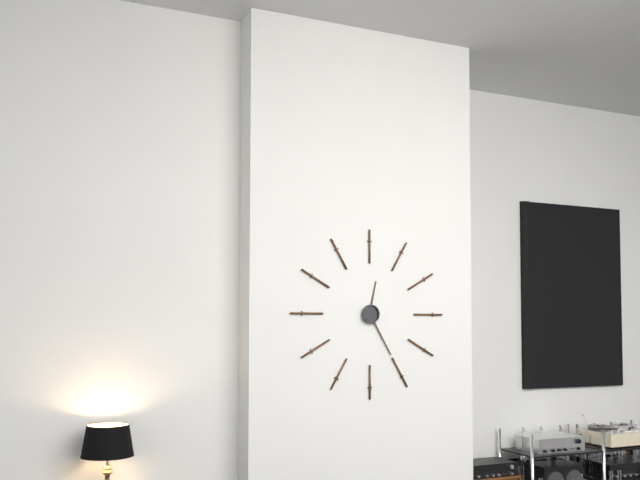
12h25
